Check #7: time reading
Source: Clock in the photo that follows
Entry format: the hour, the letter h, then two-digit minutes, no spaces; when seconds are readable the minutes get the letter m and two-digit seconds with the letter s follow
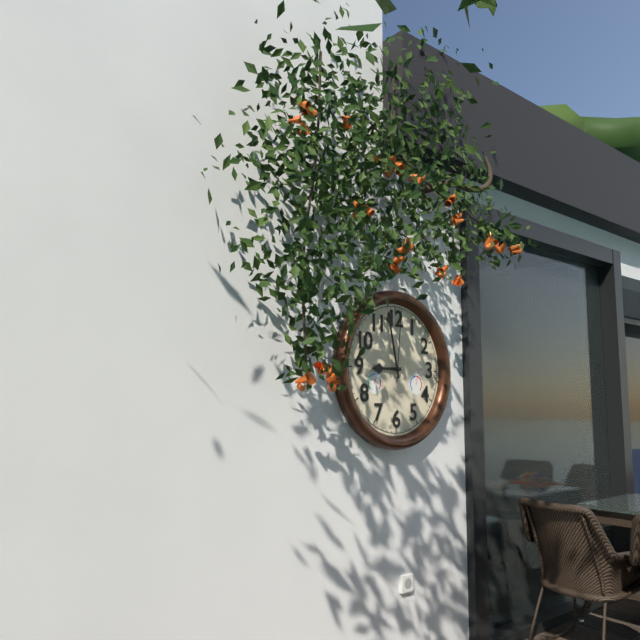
8h58m01s
